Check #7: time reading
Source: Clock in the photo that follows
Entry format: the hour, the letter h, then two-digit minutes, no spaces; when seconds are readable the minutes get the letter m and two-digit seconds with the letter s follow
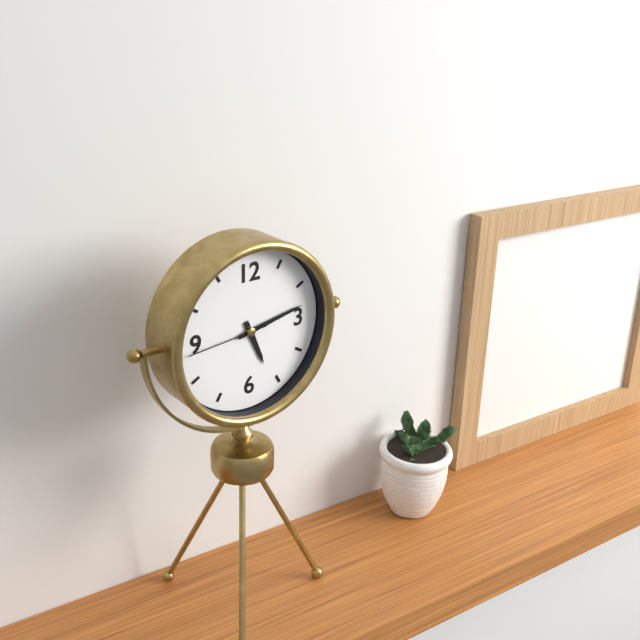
5h13m44s
